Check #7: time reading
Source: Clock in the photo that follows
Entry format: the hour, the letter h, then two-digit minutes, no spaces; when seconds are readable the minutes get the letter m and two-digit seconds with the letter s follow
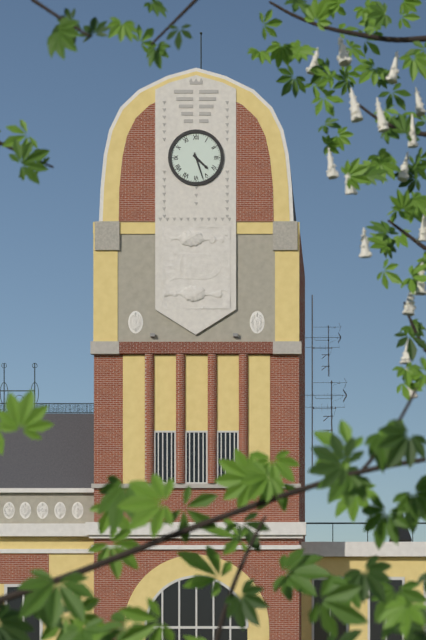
4h27
